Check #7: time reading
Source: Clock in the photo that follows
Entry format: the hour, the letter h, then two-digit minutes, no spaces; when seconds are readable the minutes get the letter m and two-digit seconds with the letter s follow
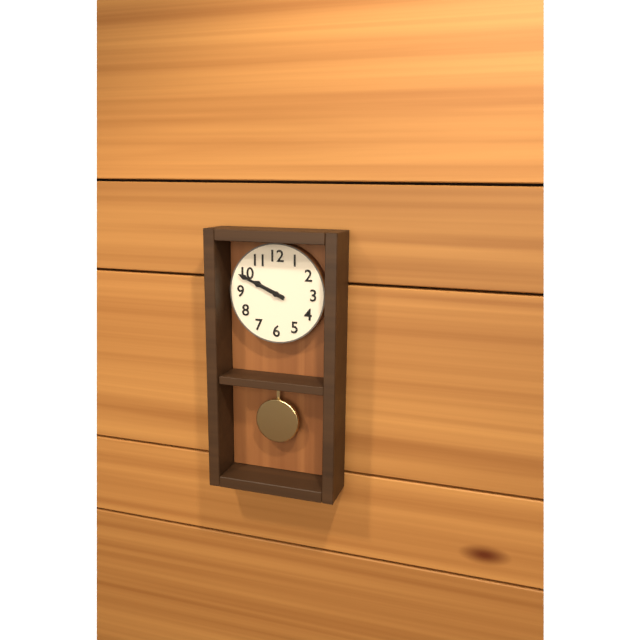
9h49
